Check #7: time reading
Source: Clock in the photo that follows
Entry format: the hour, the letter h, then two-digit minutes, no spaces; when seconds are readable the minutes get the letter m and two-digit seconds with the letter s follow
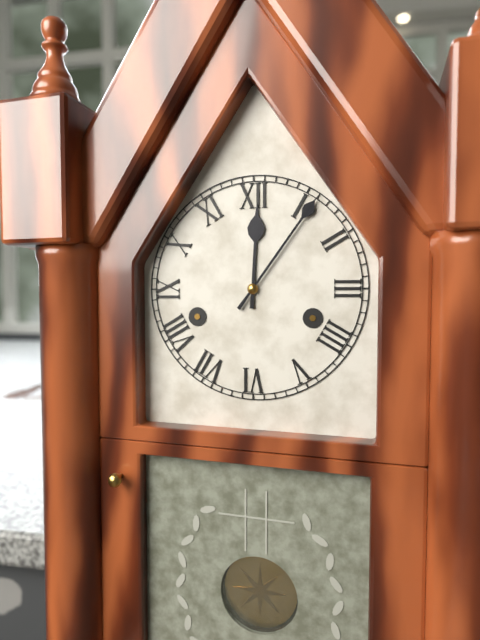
12h06
